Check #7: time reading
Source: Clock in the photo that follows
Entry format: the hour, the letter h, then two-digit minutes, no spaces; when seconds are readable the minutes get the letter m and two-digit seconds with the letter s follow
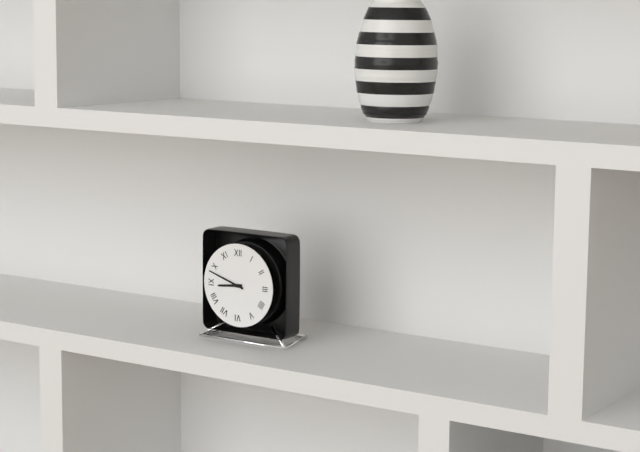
8h48
